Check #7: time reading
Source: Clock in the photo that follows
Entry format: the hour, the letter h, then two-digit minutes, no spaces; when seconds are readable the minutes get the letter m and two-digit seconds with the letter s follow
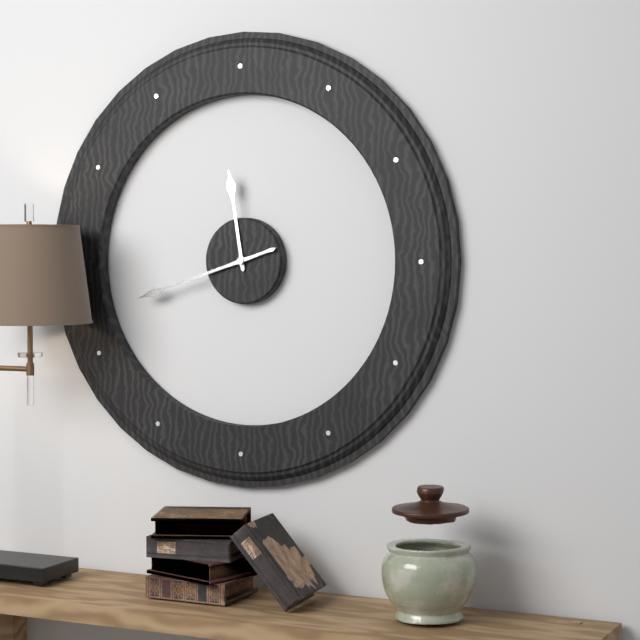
11h42
